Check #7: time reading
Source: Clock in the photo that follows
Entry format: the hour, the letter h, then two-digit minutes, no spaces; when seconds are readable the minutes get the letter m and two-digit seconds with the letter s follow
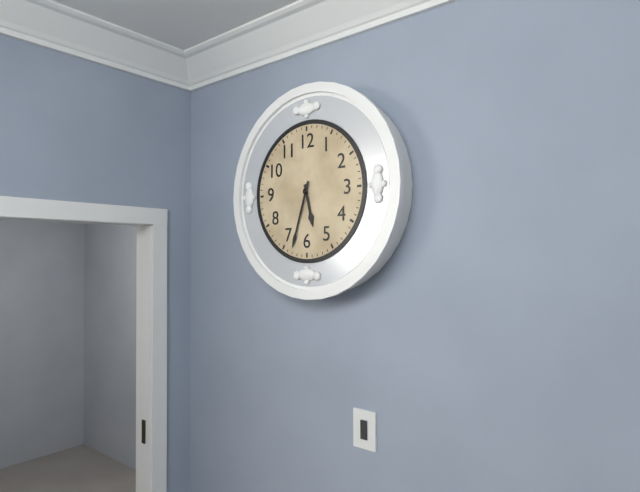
5h33
